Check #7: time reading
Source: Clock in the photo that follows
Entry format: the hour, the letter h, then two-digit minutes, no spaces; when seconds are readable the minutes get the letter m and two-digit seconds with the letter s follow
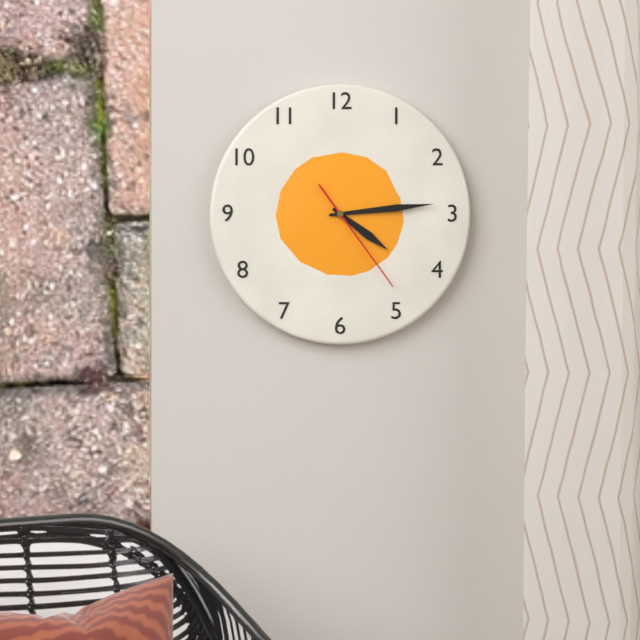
4h14m24s
